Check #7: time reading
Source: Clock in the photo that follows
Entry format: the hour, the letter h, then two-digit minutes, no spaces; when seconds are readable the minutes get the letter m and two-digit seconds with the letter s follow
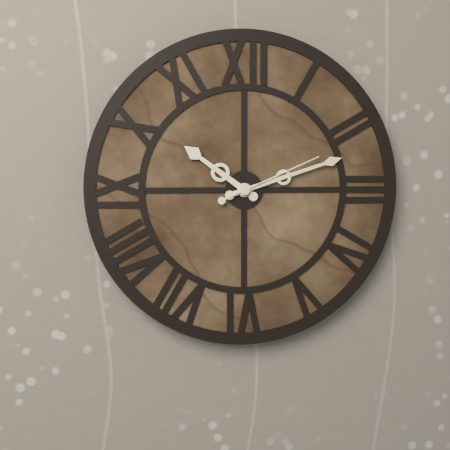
10h12m11s
